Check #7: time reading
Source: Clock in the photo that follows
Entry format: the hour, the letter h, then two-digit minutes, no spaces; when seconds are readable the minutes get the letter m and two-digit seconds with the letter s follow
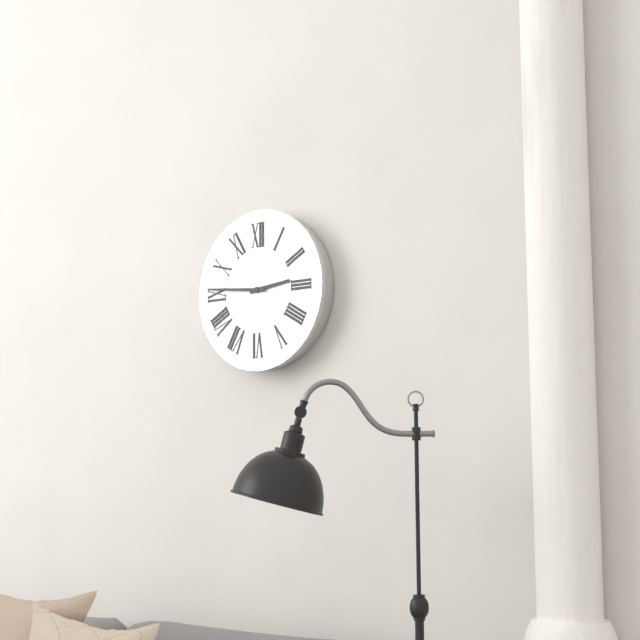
2h46
